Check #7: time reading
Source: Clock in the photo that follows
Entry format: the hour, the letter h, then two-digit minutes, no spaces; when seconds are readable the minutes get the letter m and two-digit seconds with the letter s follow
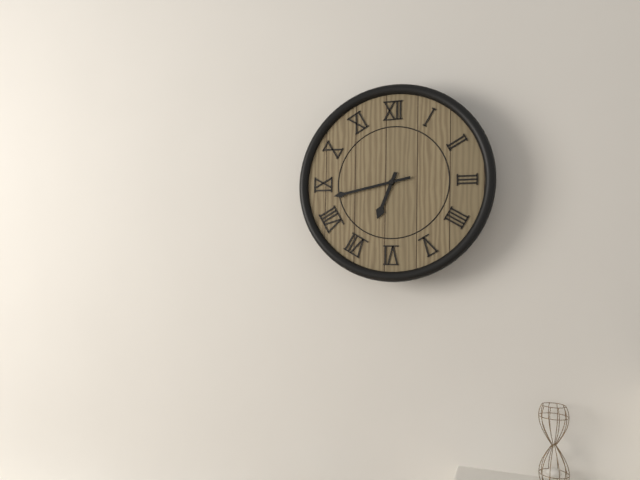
6h43
